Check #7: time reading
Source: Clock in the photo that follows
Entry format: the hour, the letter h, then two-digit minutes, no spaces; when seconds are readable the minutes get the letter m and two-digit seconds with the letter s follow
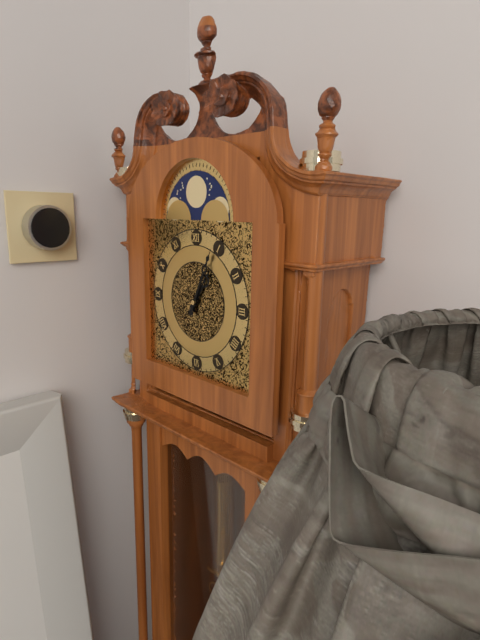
1h04
